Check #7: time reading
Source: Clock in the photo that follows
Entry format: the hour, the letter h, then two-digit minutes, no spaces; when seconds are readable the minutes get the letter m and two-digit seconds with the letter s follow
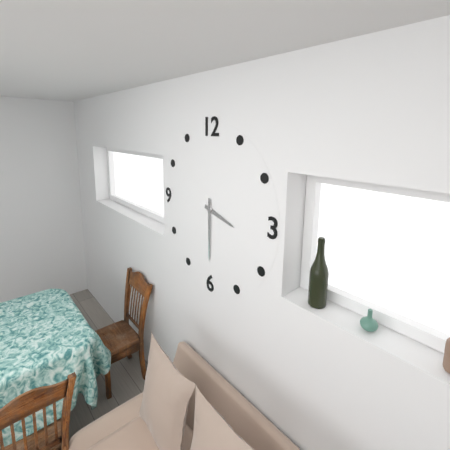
3h30
